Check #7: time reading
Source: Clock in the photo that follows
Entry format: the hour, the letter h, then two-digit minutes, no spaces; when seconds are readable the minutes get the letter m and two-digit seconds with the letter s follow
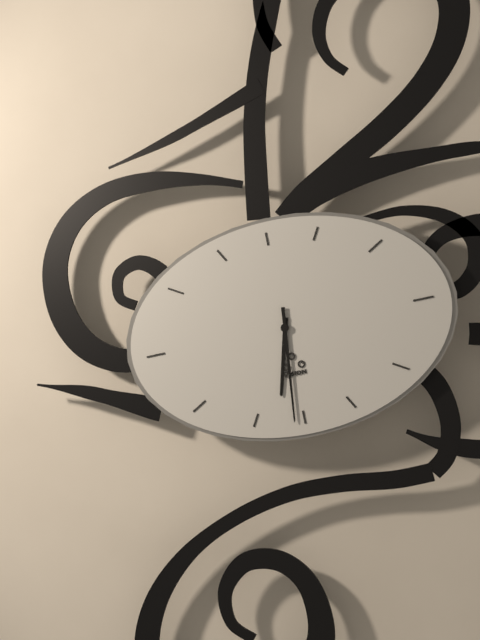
6h31
